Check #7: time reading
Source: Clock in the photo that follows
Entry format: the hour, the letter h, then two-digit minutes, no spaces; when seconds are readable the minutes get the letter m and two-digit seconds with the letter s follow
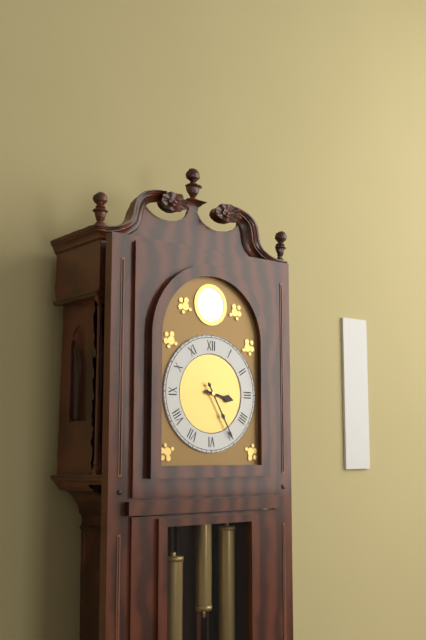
3h25
